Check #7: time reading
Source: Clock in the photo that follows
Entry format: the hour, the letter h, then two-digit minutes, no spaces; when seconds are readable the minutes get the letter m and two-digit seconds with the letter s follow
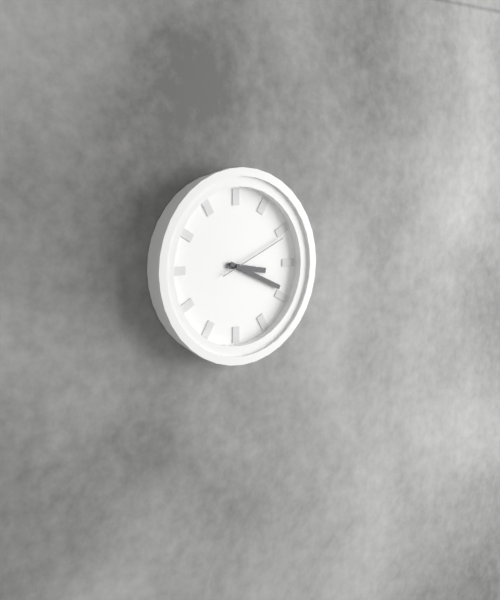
3h19m11s
